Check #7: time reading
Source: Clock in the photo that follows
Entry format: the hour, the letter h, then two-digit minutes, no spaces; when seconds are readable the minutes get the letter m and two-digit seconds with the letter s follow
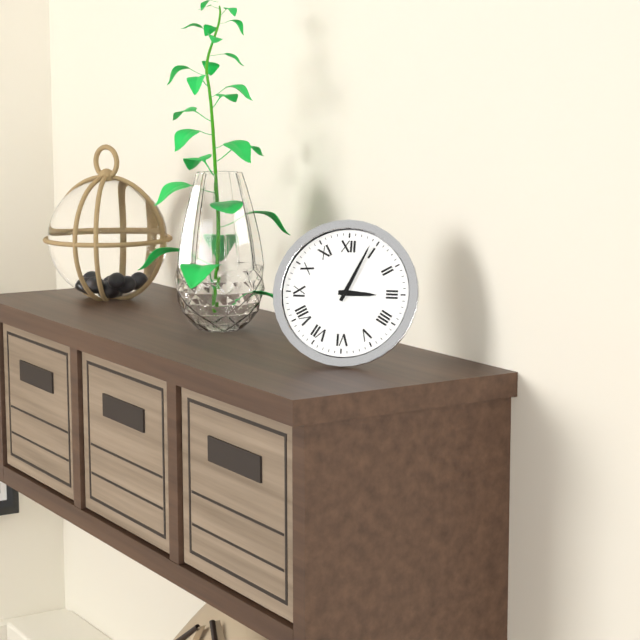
3h04
